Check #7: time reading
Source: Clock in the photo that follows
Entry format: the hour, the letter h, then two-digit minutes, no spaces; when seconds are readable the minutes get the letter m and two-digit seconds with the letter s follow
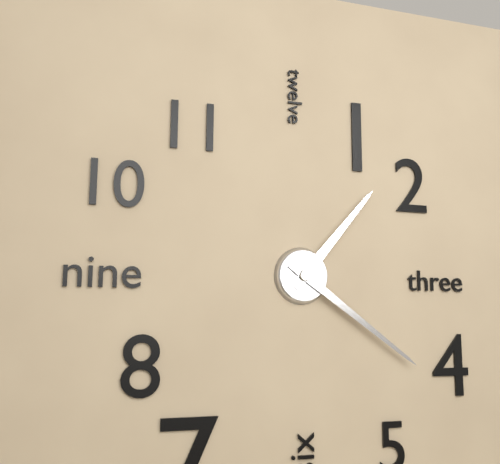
1h21
